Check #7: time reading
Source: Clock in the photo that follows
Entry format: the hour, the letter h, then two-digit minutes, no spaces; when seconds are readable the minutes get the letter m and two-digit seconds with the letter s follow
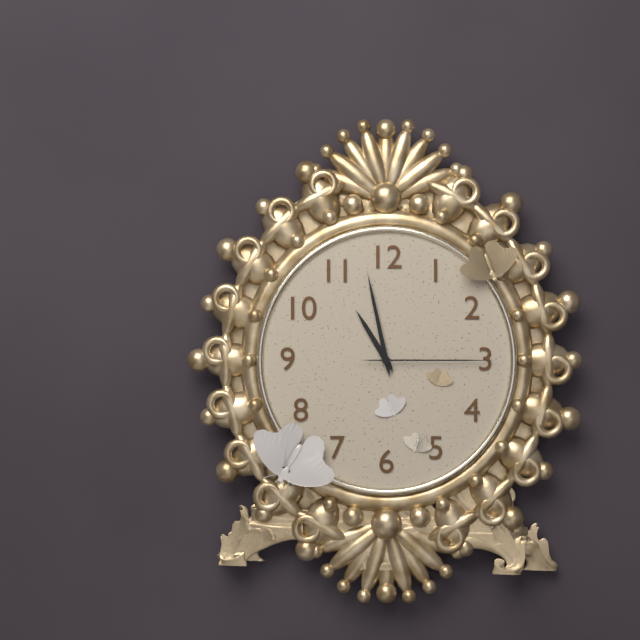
10h58m15s
